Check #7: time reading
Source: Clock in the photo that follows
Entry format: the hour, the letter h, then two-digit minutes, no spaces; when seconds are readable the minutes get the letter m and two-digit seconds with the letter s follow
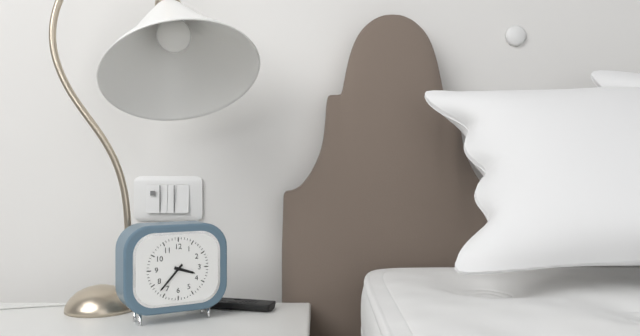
3h37
